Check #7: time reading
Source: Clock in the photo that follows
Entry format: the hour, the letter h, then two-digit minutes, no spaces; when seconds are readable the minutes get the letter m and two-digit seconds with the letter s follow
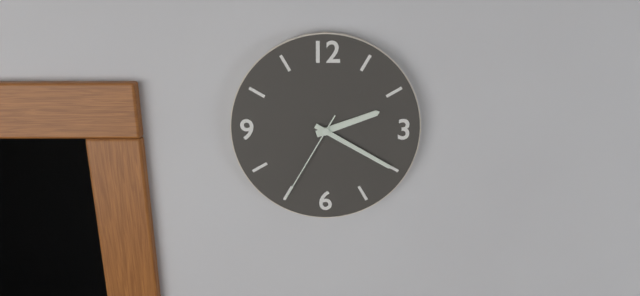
2h20m35s
